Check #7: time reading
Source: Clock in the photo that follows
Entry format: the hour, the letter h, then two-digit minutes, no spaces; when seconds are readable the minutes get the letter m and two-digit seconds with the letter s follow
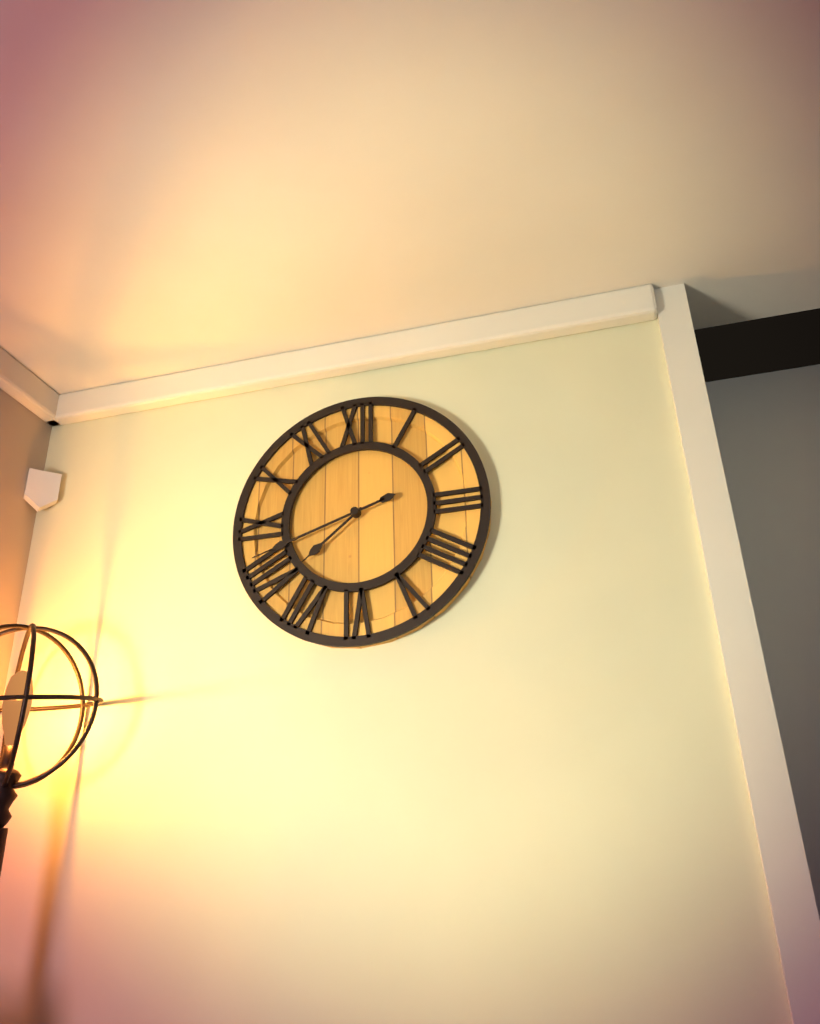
7h42
